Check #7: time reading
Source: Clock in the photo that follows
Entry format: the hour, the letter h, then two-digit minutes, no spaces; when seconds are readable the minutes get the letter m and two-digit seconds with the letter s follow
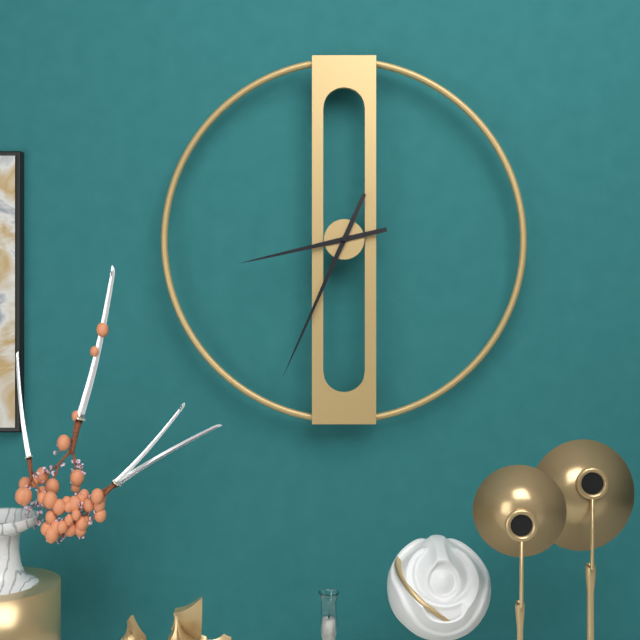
8h34
